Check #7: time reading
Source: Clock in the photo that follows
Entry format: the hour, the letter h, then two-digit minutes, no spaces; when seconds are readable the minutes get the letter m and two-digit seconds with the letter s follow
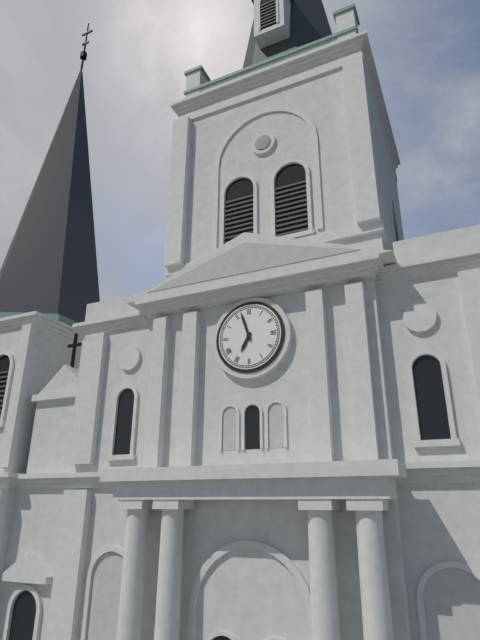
6h57
